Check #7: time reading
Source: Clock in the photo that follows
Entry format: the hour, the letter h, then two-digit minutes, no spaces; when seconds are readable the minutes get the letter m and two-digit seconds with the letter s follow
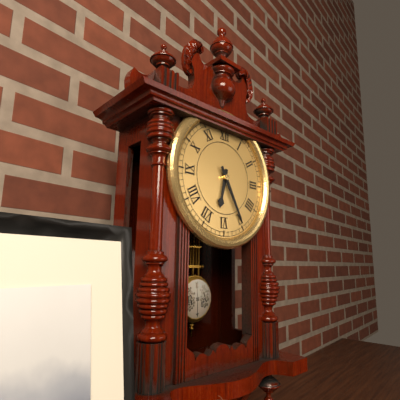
6h25
